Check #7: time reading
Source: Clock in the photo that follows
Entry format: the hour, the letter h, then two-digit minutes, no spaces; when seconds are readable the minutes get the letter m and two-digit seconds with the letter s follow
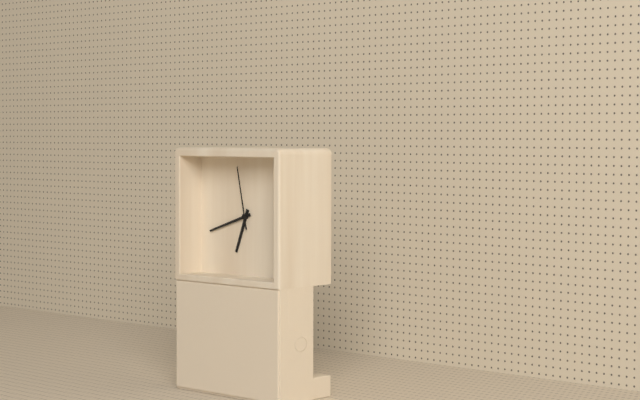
6h42m58s
